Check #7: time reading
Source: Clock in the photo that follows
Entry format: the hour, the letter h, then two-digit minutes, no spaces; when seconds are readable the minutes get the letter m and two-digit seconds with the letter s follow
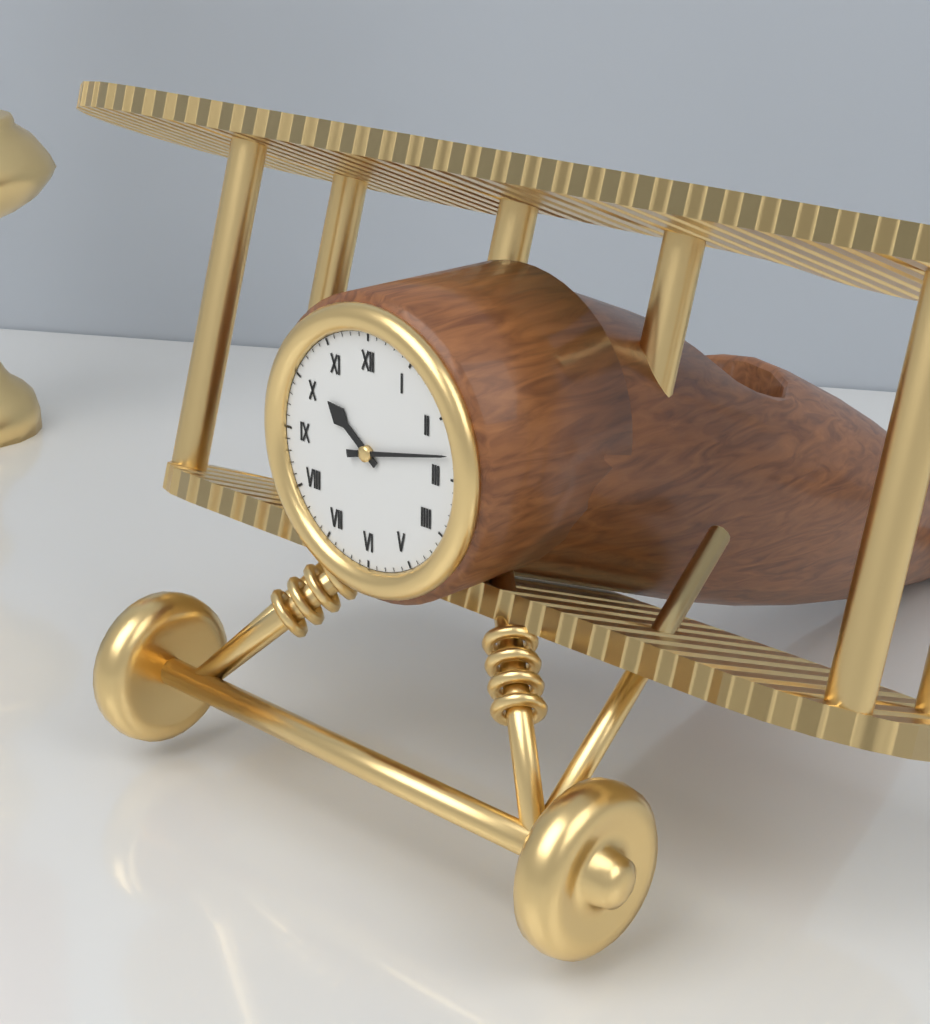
10h13
